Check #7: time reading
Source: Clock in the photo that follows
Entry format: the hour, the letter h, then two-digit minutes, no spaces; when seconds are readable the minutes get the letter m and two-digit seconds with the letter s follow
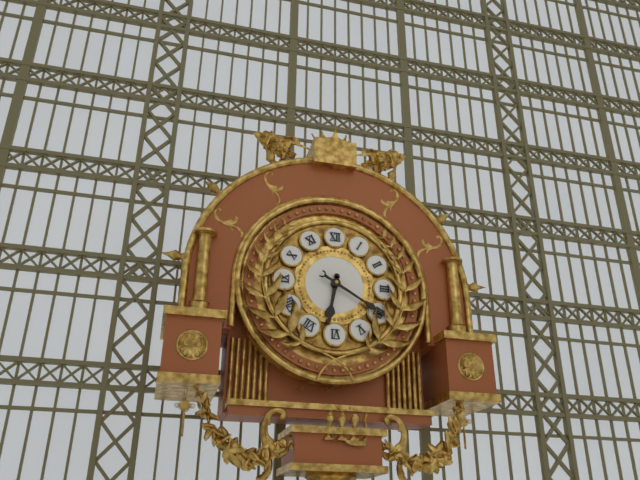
6h20
